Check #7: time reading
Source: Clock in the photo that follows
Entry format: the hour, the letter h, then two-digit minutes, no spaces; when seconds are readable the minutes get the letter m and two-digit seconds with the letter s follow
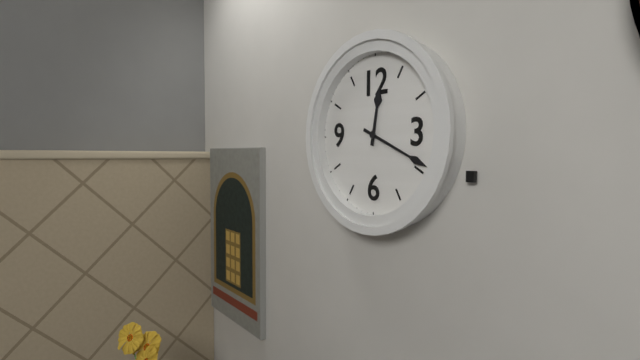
12h19
